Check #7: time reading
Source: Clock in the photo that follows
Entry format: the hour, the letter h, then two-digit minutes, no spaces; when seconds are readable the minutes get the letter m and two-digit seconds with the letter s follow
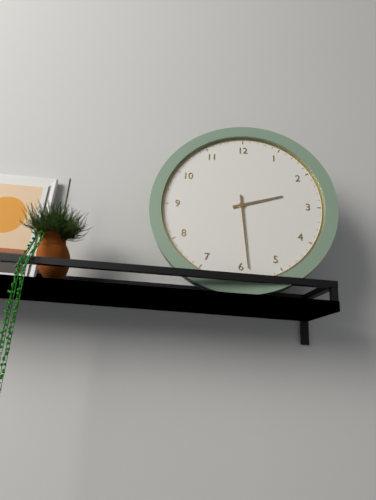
2h29
